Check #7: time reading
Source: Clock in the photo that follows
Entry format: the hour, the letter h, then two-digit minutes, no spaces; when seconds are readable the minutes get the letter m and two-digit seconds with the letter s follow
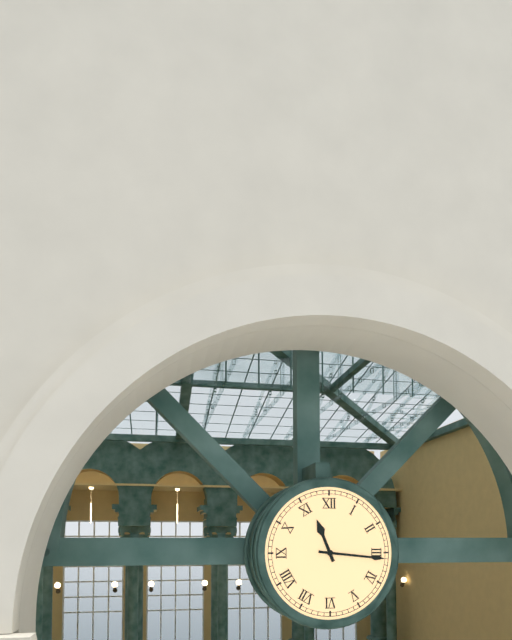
11h16
